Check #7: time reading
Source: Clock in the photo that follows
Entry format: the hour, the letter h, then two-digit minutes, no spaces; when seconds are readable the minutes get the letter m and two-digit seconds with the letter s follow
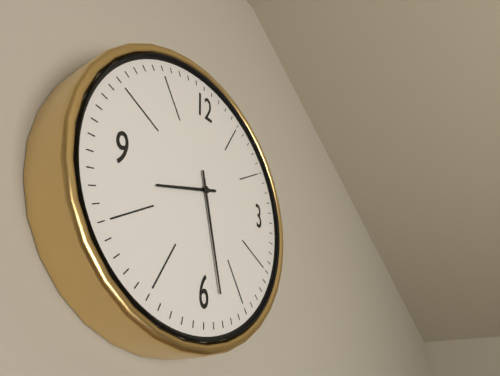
8h28
